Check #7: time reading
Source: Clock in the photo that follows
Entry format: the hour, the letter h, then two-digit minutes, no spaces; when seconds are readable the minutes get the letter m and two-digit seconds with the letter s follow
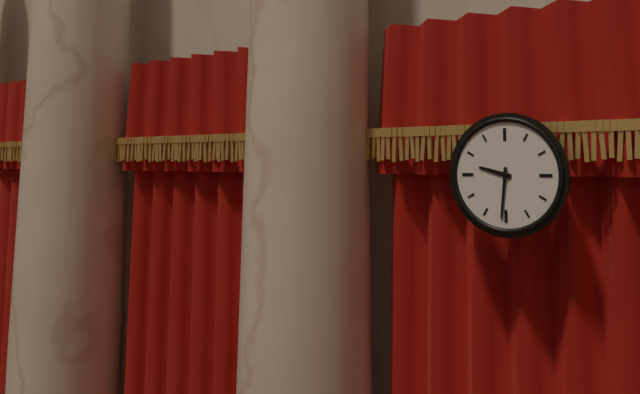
9h31
